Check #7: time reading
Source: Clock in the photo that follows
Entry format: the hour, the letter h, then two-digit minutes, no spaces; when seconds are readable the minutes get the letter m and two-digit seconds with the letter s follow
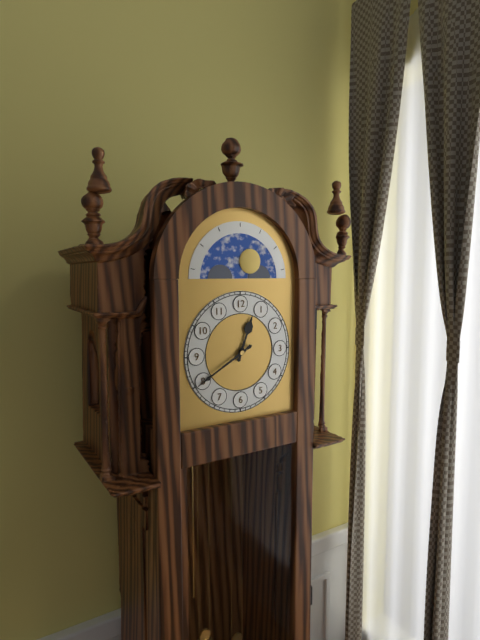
12h40
